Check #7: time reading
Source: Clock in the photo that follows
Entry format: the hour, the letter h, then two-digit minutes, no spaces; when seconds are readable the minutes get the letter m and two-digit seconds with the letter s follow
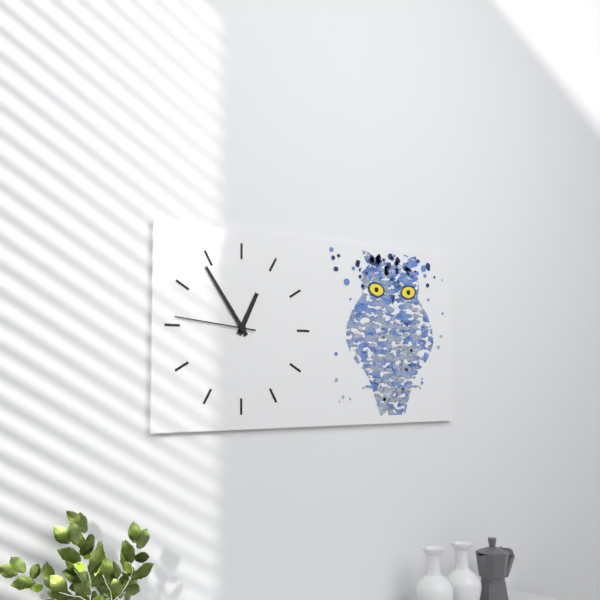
12h54m46s
